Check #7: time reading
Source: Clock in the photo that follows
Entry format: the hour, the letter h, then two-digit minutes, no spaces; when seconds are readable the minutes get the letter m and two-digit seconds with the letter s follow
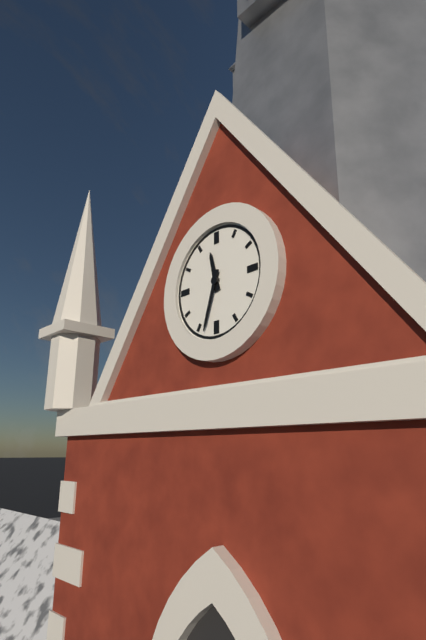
11h33
